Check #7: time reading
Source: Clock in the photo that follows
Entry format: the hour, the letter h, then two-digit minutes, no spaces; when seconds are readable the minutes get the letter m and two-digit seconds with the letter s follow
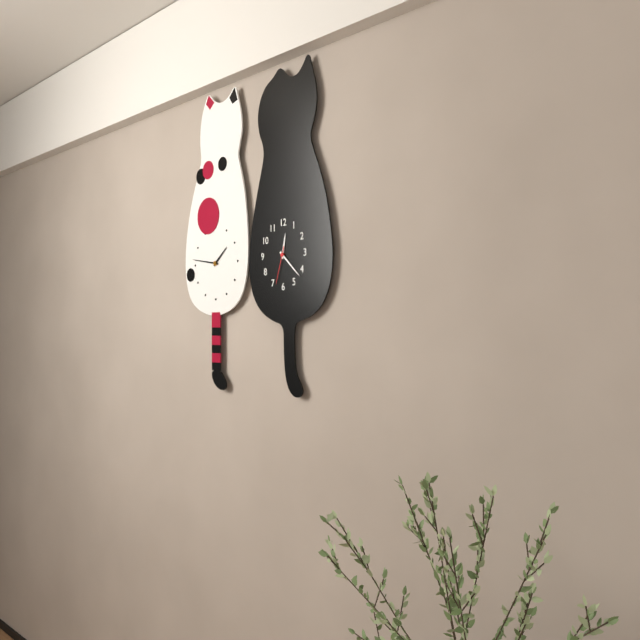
12h22
